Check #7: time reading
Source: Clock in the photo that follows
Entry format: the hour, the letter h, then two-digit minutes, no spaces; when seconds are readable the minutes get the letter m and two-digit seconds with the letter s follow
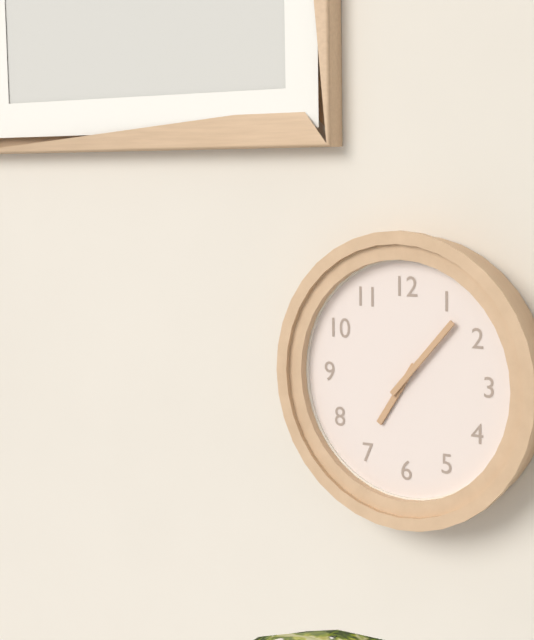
7h07
